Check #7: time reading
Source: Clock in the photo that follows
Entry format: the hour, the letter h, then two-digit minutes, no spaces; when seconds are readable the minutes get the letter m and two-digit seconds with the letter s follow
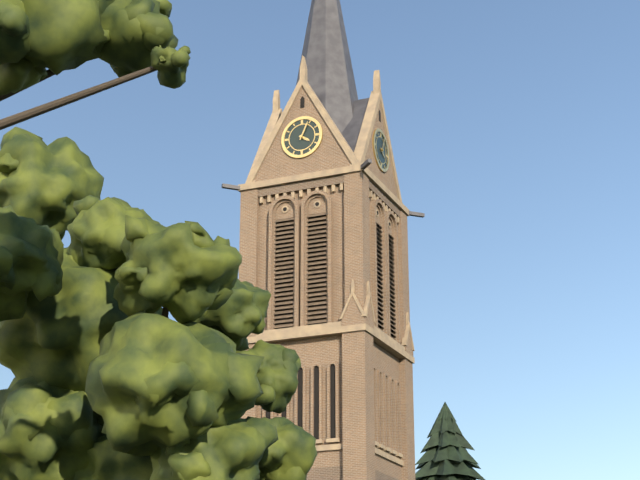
4h04
